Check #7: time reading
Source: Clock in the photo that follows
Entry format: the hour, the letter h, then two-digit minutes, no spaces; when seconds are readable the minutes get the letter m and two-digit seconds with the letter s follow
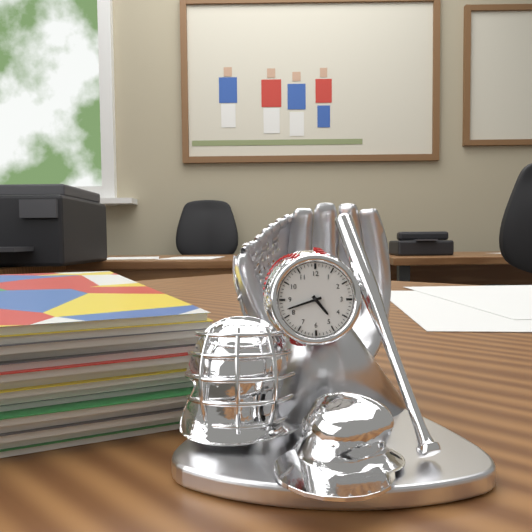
4h42
